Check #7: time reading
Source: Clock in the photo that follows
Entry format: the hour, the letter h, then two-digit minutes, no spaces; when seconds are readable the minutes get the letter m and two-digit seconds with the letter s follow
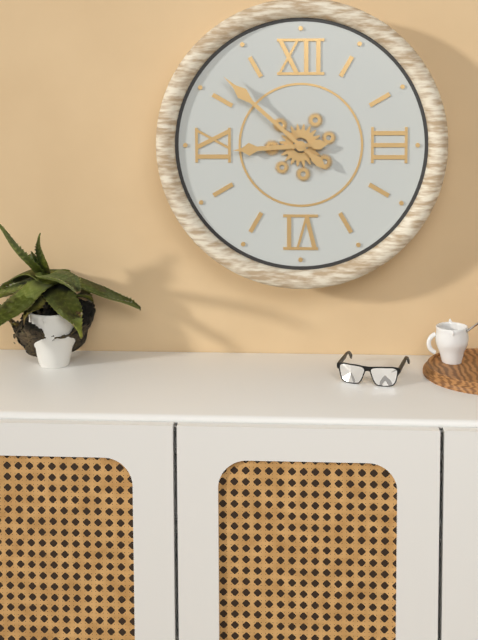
8h52
